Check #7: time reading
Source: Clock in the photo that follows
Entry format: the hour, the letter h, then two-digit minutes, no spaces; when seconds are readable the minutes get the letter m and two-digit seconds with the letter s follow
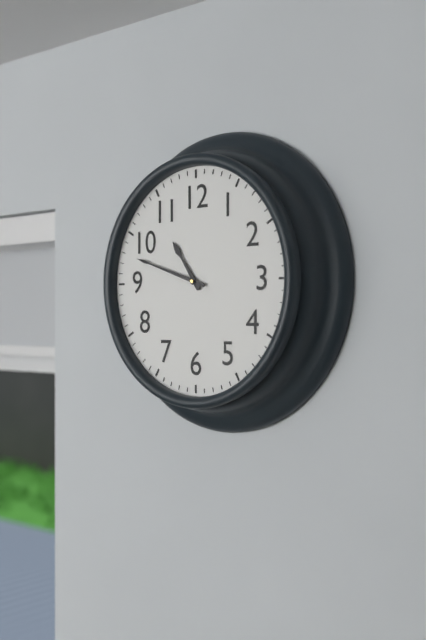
10h48
